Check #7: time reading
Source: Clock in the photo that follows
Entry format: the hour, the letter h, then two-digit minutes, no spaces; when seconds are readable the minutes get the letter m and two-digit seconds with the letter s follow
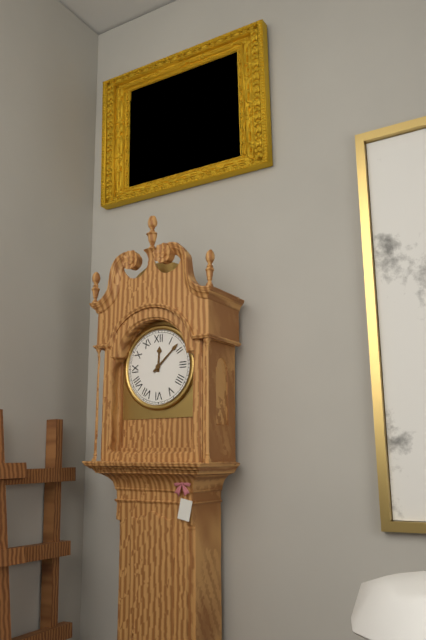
12h08
